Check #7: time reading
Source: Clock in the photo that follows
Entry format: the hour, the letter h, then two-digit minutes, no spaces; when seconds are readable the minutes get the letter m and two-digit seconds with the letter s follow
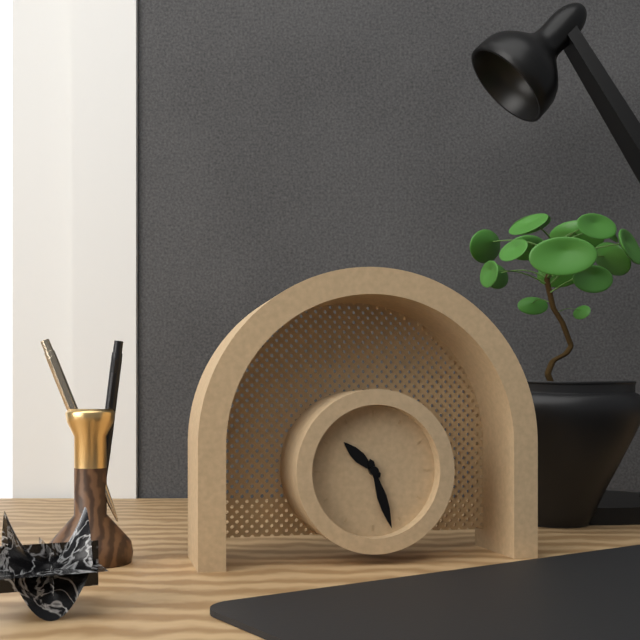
10h27
